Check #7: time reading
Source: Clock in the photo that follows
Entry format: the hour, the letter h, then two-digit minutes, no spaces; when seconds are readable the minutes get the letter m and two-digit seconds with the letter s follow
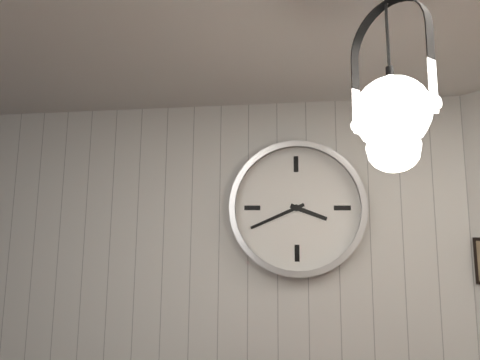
3h41
